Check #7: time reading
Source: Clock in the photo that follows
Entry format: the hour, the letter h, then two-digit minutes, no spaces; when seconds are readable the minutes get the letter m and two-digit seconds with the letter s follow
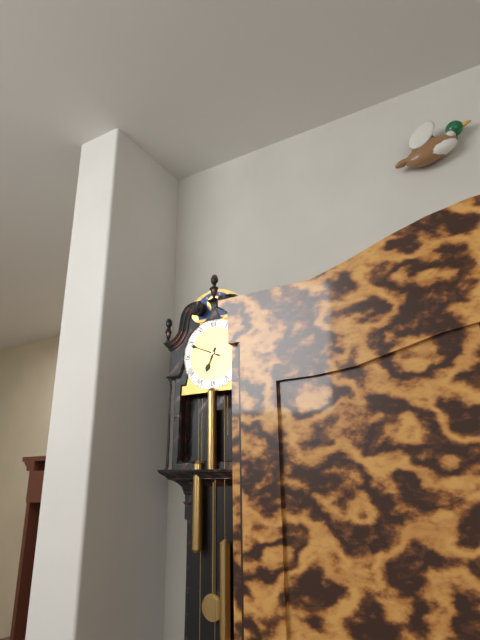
6h49
